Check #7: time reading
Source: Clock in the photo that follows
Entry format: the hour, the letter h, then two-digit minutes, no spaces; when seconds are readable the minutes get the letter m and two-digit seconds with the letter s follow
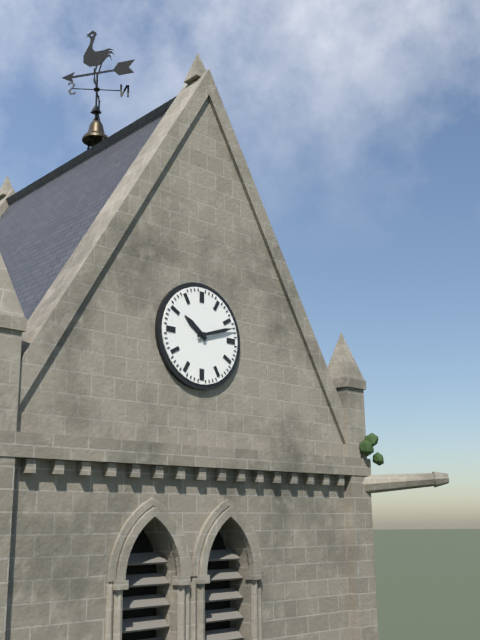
10h12
